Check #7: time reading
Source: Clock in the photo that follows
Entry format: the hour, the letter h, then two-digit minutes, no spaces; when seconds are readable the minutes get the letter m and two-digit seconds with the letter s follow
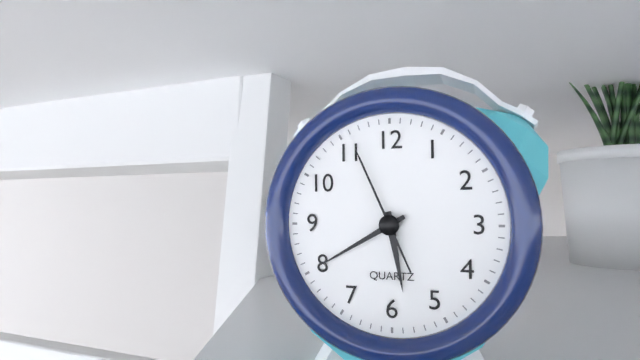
5h40m56s
